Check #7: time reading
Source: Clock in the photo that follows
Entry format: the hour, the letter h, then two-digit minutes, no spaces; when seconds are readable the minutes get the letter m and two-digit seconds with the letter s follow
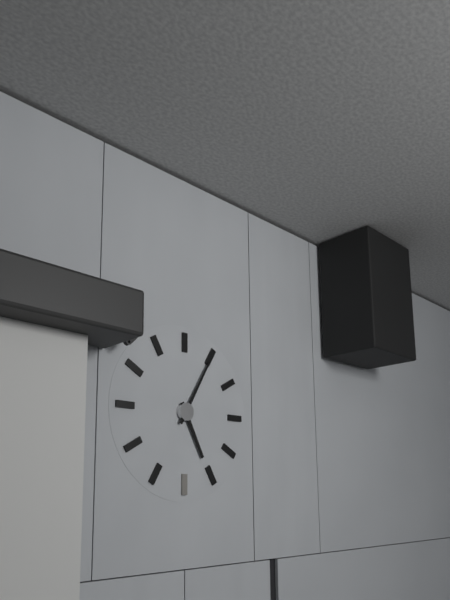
5h05
